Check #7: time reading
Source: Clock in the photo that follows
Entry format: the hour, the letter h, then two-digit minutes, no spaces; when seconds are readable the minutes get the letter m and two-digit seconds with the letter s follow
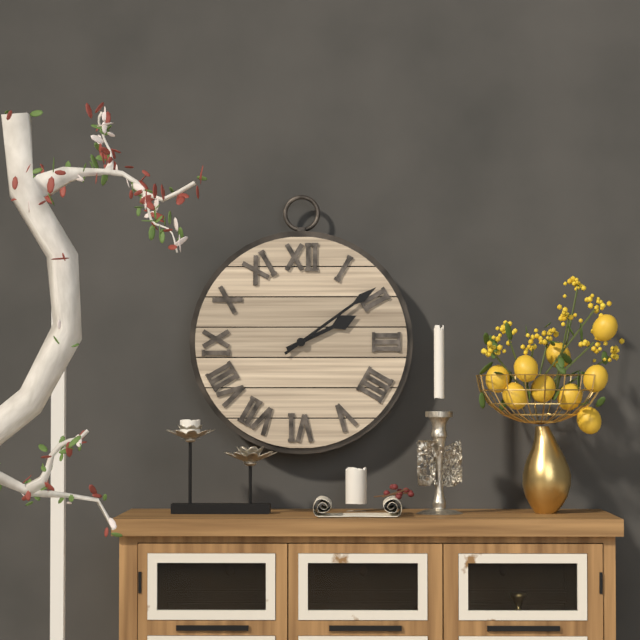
2h09
